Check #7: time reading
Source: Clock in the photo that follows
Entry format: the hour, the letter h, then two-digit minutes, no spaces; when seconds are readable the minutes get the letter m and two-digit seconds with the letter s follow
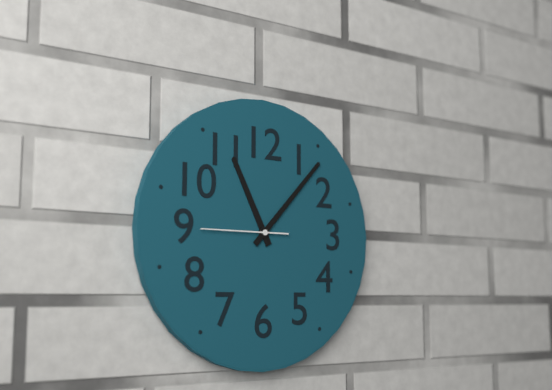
11h07m45s
